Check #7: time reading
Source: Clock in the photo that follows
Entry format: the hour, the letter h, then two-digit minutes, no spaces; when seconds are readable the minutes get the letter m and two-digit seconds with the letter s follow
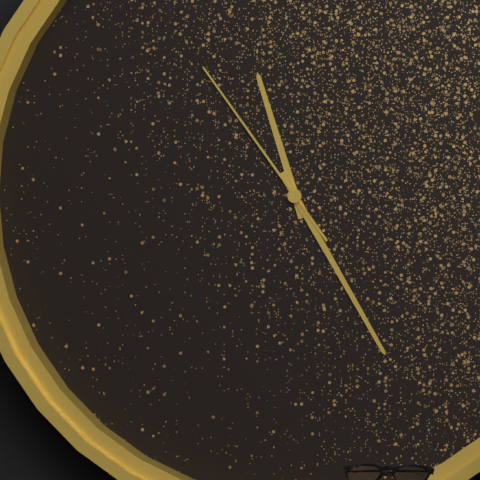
11h25m54s
